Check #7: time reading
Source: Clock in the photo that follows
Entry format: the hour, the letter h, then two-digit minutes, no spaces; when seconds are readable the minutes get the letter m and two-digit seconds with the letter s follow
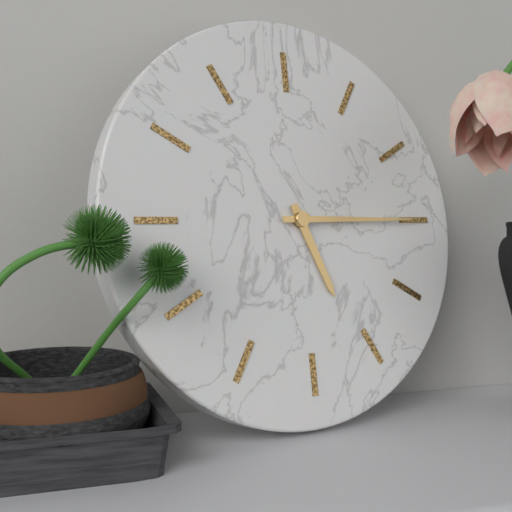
5h15
